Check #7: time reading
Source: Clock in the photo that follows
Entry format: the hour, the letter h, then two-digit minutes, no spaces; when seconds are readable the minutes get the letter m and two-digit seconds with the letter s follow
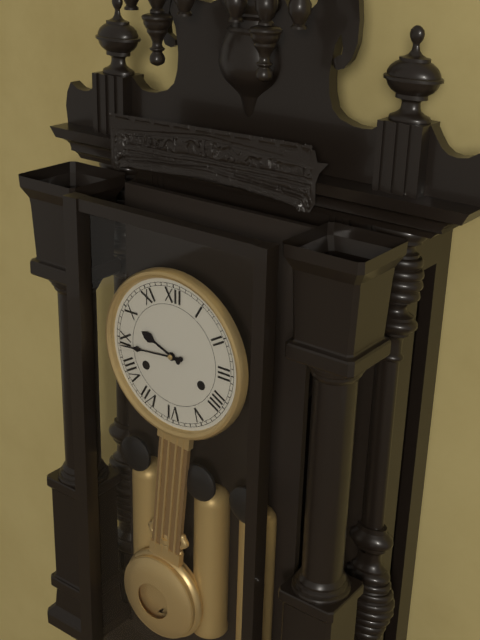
9h44
